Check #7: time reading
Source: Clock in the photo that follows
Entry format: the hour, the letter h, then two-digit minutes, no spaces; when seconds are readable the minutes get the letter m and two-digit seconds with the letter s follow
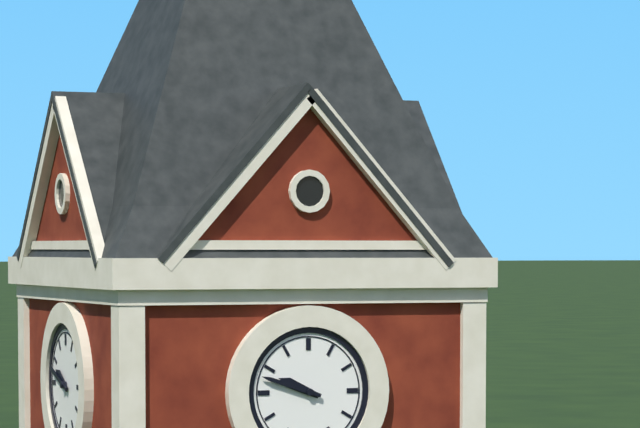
9h48
